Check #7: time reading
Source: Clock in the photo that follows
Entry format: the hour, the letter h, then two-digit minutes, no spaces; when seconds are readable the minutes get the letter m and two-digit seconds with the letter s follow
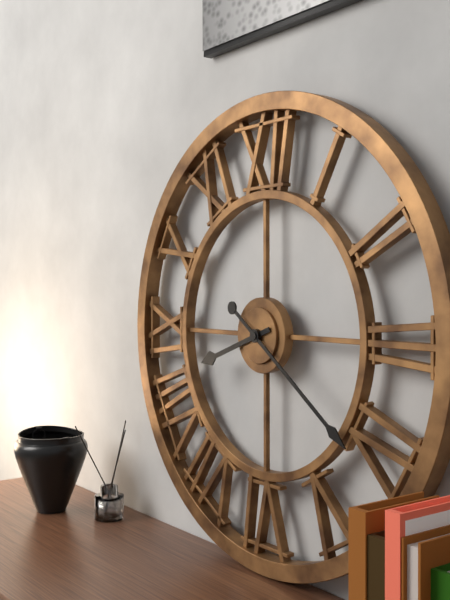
8h21
